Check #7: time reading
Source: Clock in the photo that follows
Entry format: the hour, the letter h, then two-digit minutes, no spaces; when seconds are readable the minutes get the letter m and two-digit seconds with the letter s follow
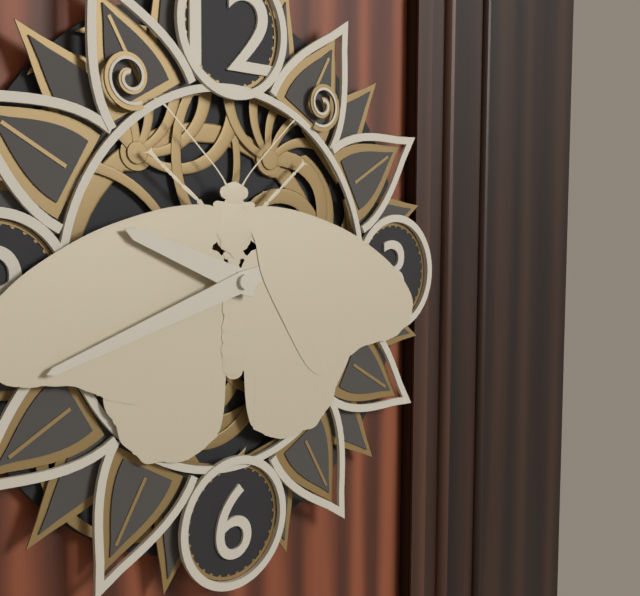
9h42
